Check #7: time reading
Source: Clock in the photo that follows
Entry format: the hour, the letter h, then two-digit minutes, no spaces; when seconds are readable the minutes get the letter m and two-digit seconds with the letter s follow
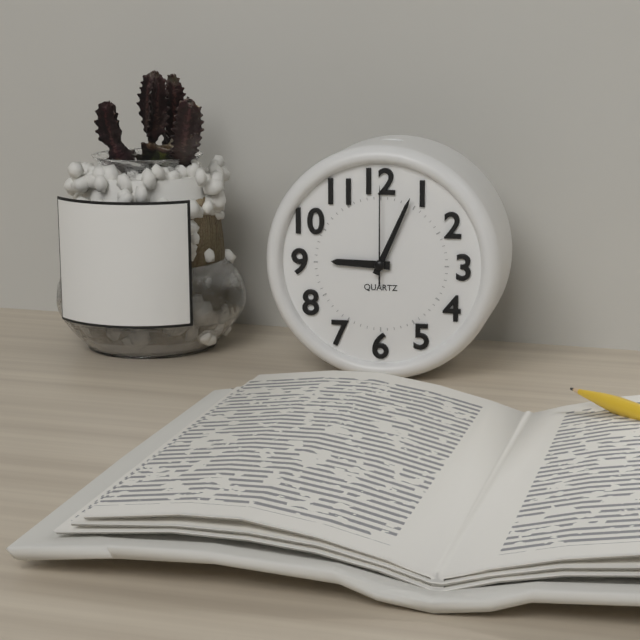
9h04m00s
